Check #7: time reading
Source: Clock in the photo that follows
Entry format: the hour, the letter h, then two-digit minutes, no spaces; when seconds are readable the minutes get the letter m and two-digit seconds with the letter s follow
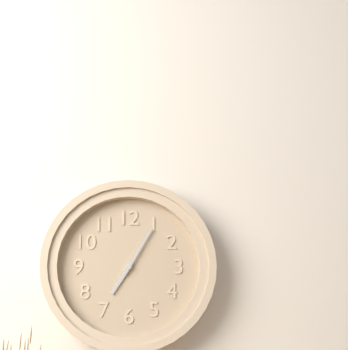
7h05
